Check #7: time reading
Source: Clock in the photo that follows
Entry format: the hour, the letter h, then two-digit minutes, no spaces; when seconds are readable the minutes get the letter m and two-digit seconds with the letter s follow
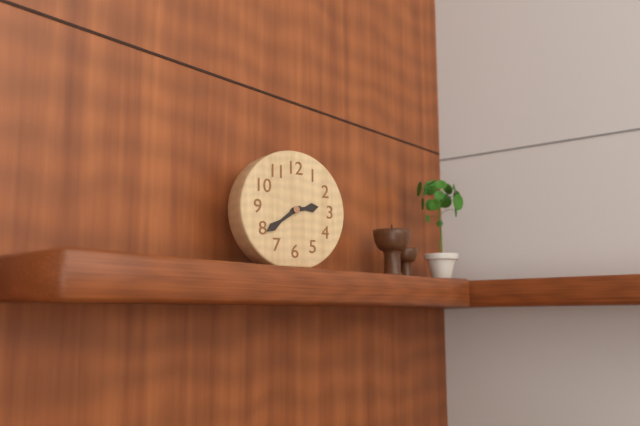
2h39
